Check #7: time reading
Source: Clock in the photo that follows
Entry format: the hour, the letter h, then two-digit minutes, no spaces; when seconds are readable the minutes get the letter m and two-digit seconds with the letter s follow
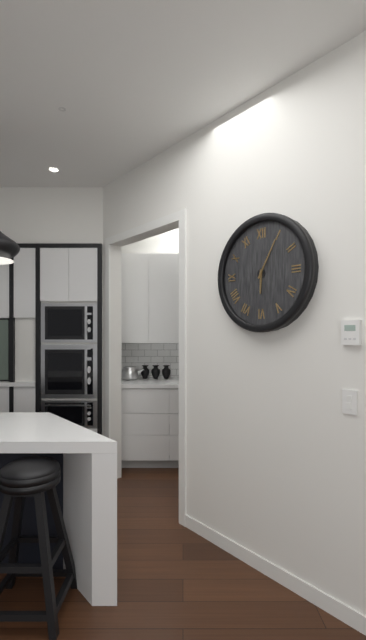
6h05
